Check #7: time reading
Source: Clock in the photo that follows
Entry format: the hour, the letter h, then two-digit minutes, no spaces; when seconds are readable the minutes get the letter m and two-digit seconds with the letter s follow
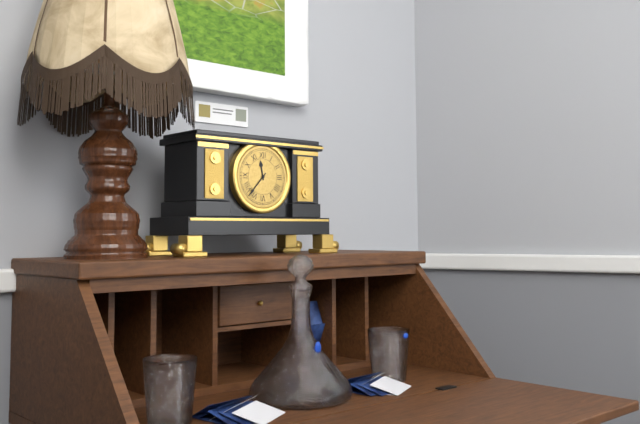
11h37
